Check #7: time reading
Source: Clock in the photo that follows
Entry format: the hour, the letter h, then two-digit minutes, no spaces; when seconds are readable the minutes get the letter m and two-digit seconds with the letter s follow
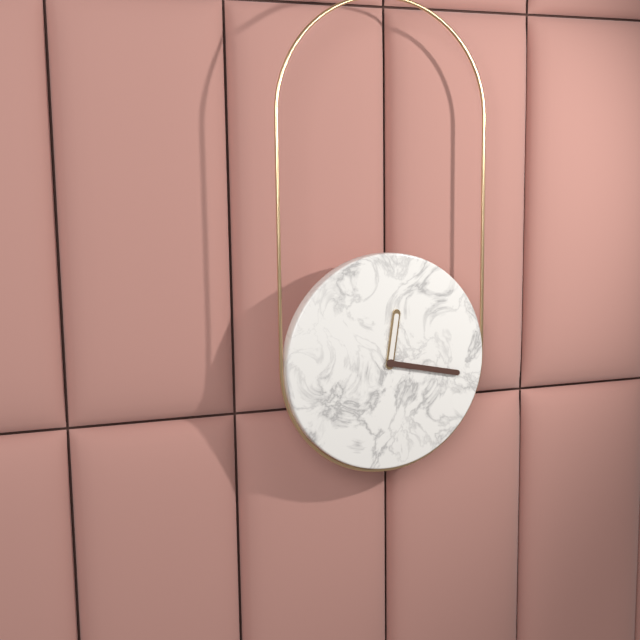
12h17
